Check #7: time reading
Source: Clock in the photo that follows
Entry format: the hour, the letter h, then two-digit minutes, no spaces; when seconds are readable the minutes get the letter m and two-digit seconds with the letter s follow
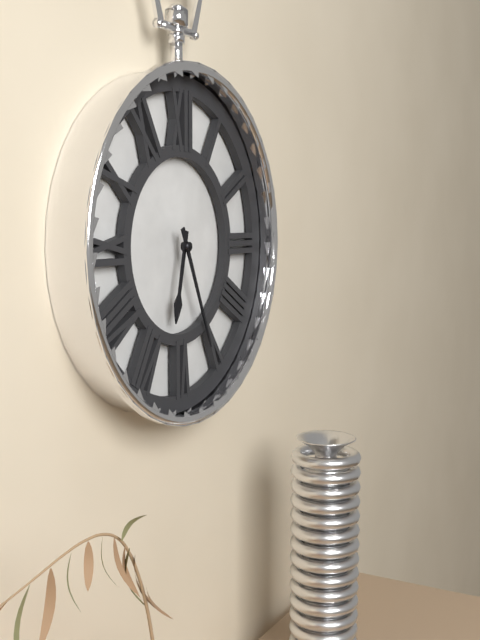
6h26
